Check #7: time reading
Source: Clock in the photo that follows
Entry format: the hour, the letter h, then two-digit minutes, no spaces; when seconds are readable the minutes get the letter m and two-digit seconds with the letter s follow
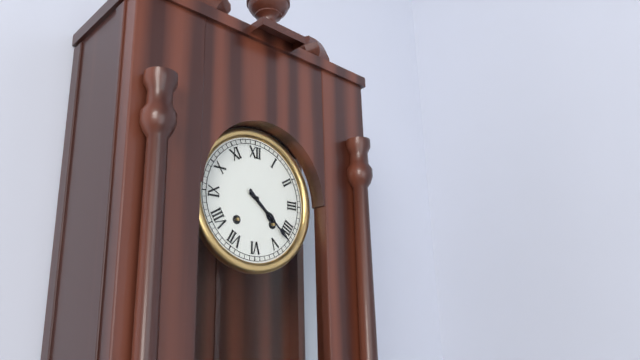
4h22
